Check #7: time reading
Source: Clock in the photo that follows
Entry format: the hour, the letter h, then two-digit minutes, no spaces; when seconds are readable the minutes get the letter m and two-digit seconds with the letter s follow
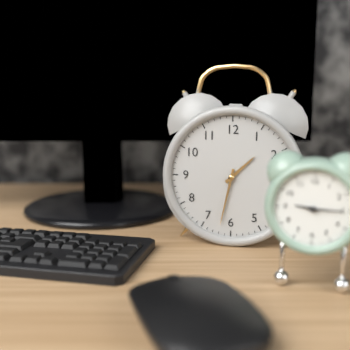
1h32
